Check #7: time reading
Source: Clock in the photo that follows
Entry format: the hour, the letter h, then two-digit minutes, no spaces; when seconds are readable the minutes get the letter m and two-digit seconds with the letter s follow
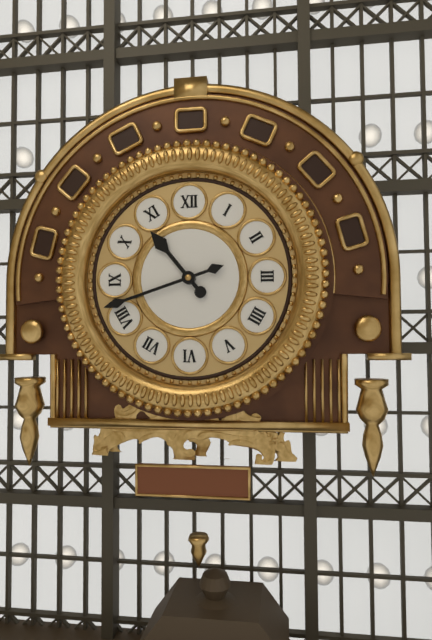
10h42
